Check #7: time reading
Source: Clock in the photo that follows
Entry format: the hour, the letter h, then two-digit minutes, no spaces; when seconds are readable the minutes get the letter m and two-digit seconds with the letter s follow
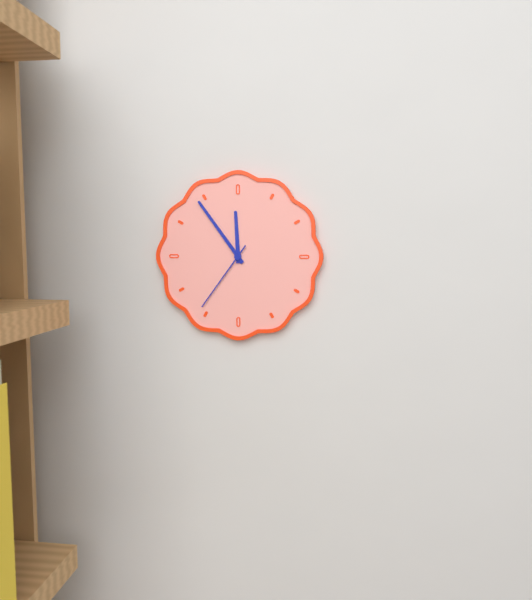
11h54m36s
